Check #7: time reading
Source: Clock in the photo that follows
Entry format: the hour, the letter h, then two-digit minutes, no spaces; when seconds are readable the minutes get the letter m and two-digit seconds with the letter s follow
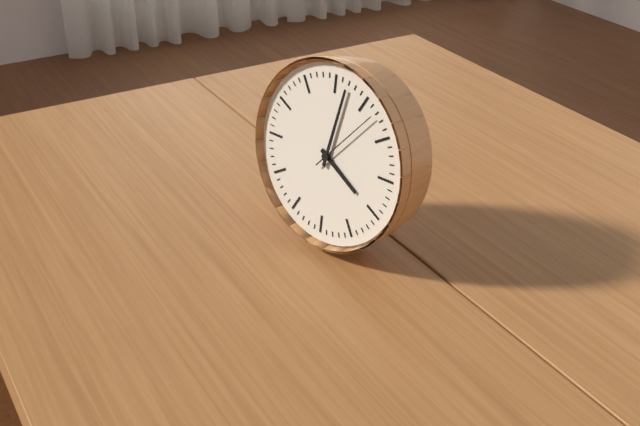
4h02m07s
